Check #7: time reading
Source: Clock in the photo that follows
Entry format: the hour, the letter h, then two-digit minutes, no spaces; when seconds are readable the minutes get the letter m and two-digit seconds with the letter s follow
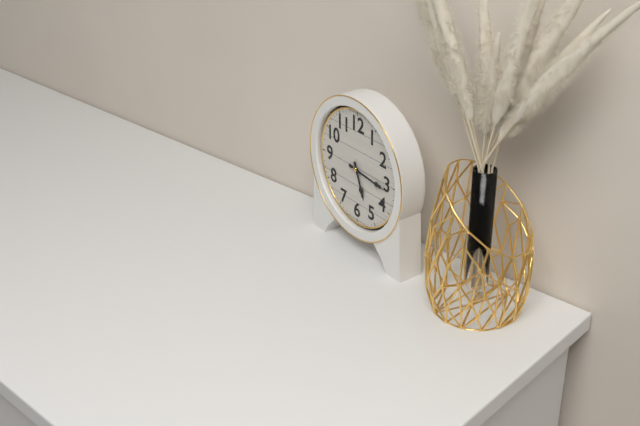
5h16
